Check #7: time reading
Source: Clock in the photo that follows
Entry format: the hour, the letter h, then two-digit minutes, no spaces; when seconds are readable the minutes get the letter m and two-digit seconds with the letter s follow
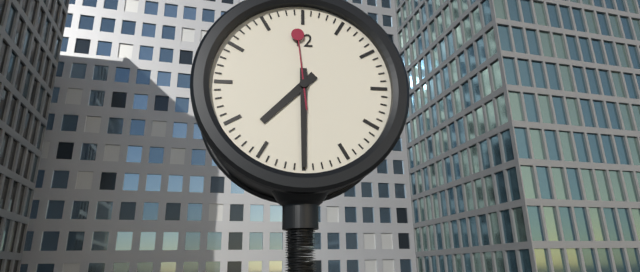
7h30m59s
